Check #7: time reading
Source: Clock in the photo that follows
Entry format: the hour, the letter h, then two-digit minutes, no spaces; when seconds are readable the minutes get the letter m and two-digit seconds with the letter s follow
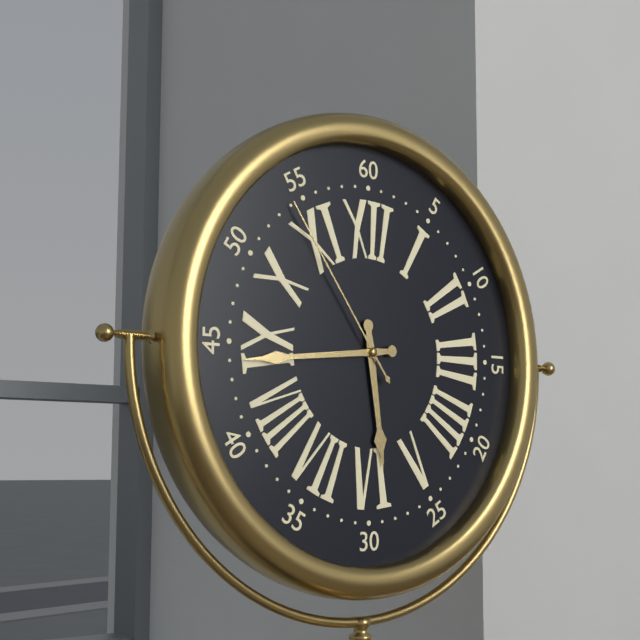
5h44m54s
